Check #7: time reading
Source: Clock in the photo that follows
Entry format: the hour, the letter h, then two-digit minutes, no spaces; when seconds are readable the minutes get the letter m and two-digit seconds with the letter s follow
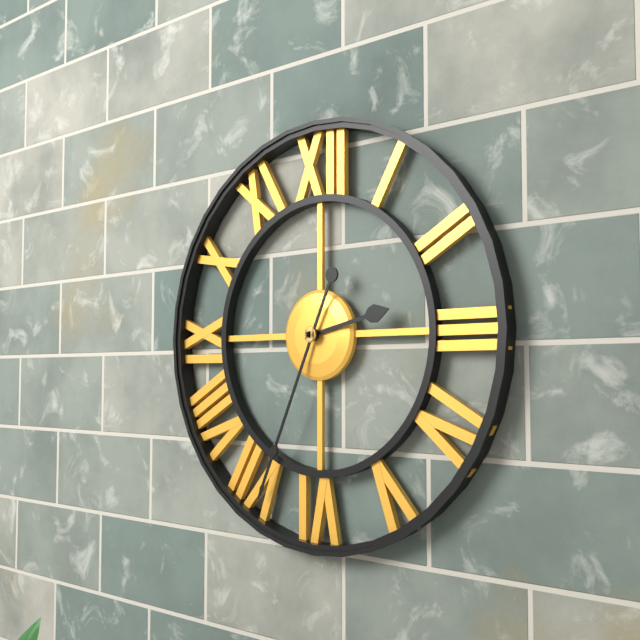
2h34
